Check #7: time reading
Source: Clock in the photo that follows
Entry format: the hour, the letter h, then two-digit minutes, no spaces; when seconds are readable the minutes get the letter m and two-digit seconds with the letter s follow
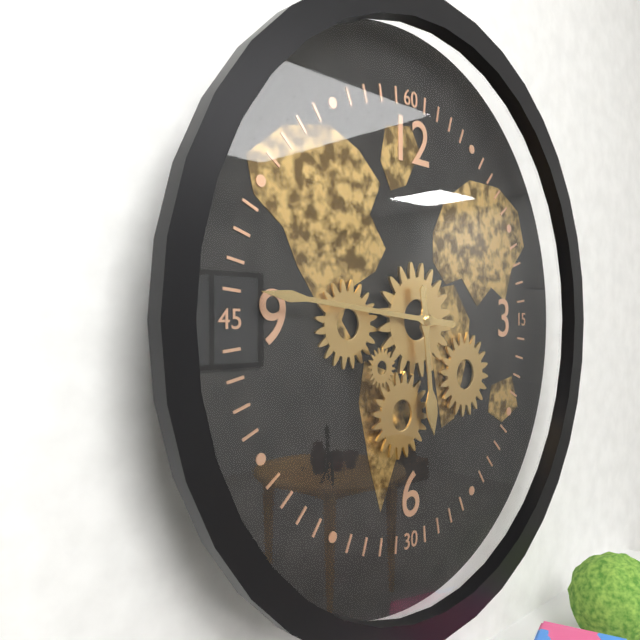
5h46
